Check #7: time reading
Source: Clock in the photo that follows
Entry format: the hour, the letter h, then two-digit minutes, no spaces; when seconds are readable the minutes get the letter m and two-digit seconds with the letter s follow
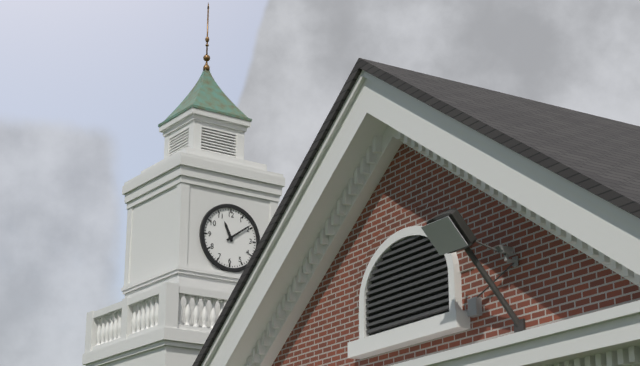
11h09
